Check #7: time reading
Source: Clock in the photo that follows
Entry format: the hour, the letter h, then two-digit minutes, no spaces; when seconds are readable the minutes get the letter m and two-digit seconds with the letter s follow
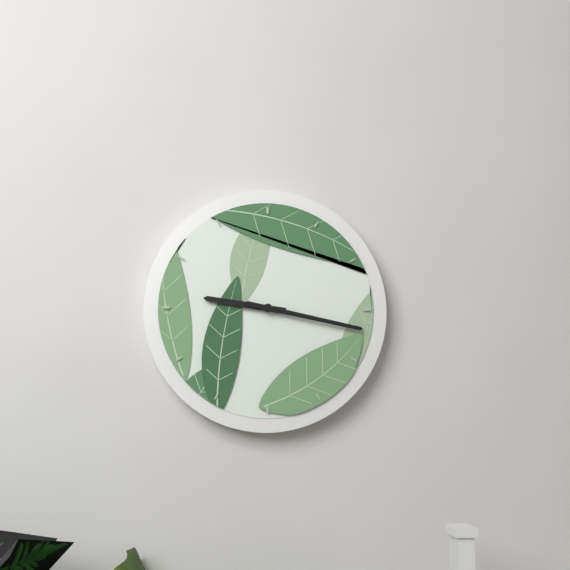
9h17
